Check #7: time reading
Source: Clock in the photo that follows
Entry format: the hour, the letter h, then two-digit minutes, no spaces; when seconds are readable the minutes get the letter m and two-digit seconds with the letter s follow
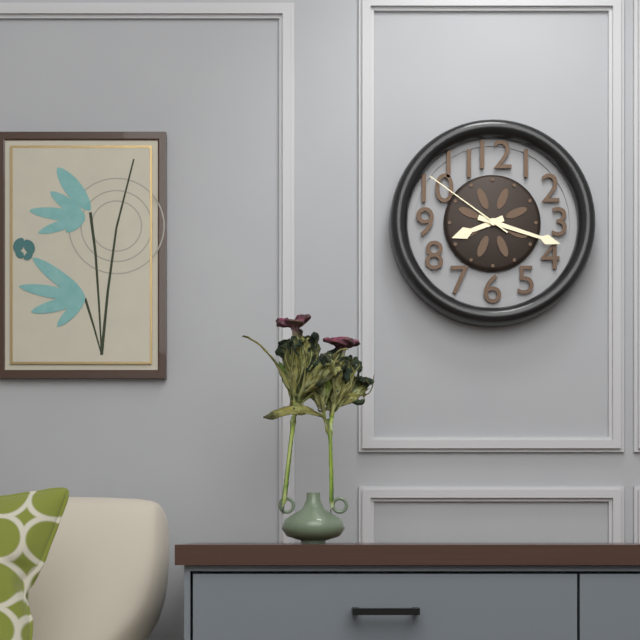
8h18m51s
